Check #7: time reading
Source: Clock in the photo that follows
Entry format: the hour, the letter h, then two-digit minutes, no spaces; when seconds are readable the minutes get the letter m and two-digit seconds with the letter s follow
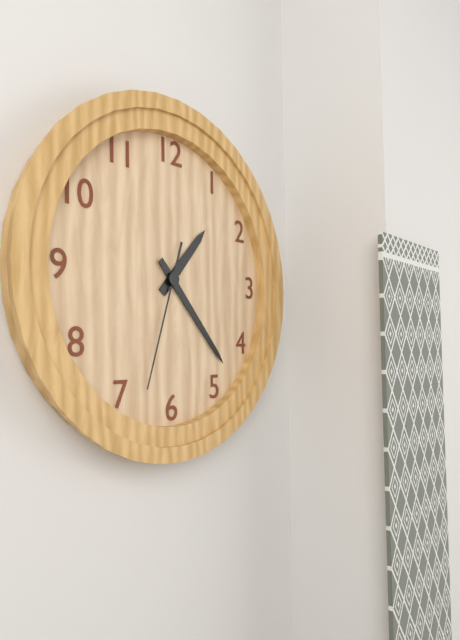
1h23m33s
